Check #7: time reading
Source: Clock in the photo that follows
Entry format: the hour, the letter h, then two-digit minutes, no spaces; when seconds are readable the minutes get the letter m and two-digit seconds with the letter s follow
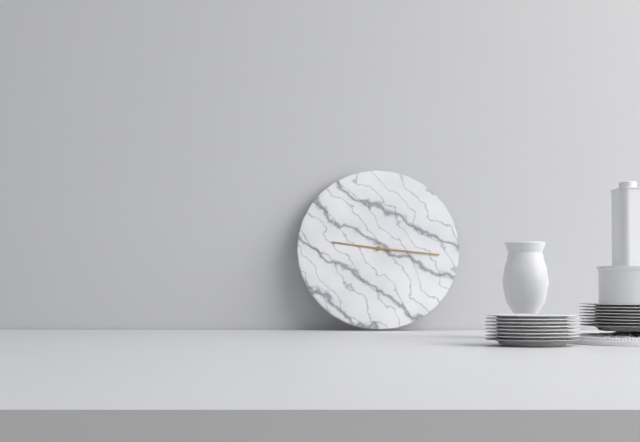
9h16
